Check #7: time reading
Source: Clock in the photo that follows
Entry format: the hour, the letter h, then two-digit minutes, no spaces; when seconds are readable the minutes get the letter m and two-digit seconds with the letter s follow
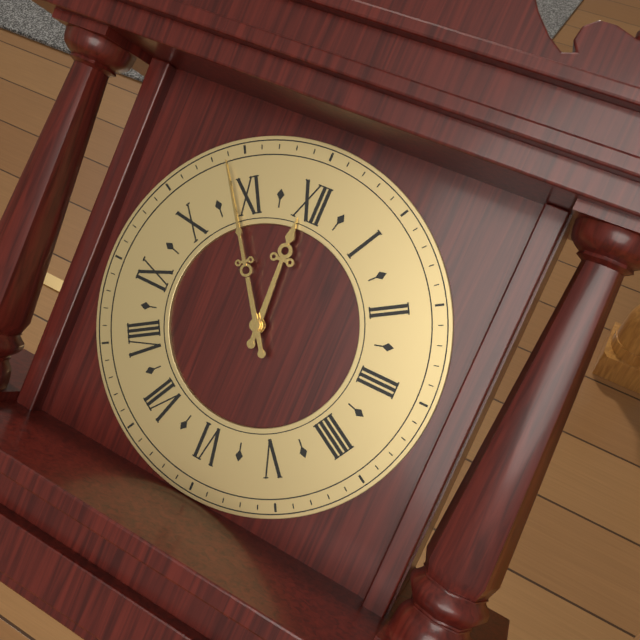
11h54
